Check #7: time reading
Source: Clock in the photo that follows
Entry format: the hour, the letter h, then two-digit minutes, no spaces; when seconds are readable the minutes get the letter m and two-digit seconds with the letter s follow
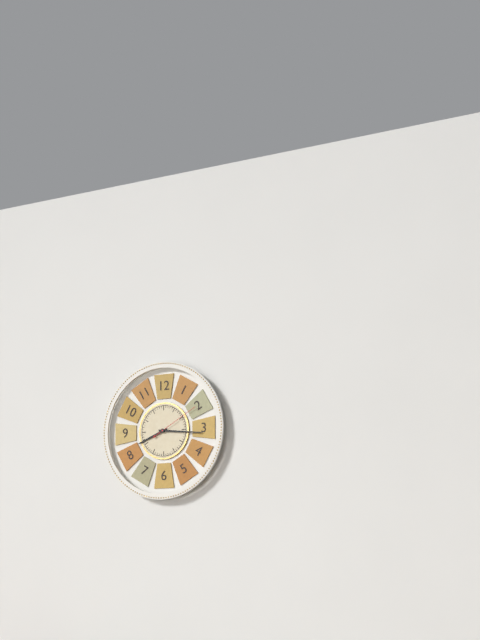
8h16
